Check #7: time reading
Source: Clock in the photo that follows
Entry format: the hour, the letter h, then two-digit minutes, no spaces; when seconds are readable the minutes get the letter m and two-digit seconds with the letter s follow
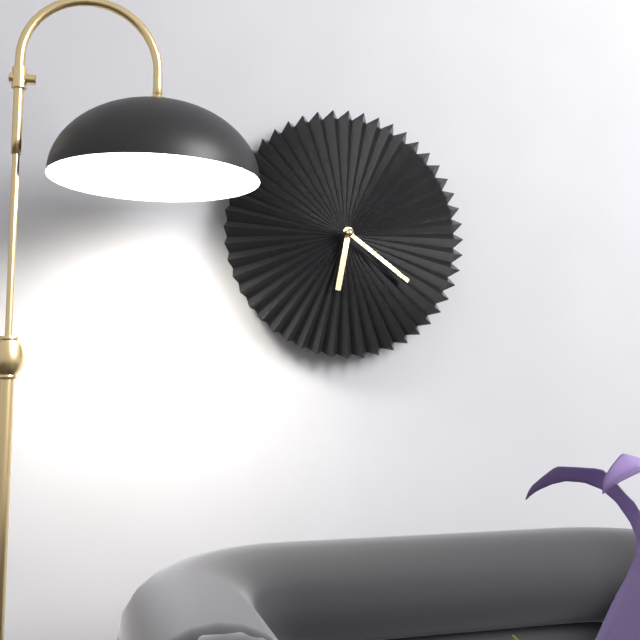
6h21
